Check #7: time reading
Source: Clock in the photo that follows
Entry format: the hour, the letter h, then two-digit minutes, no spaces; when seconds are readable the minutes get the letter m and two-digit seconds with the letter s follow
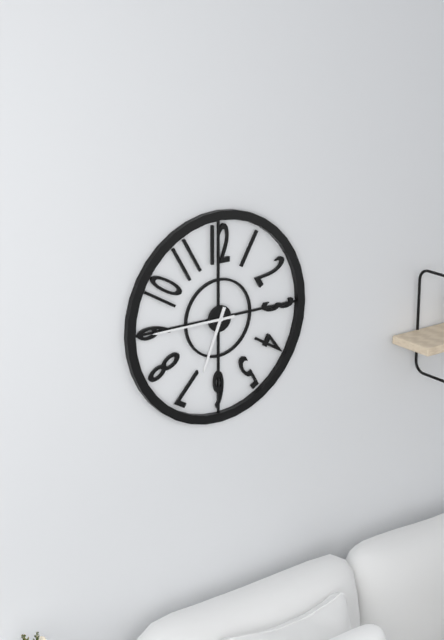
6h45
